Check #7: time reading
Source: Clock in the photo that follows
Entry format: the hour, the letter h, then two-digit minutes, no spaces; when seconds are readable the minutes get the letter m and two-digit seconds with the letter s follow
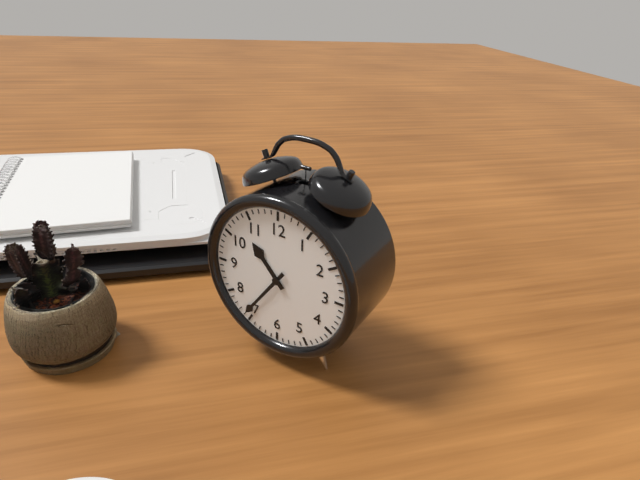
10h36
